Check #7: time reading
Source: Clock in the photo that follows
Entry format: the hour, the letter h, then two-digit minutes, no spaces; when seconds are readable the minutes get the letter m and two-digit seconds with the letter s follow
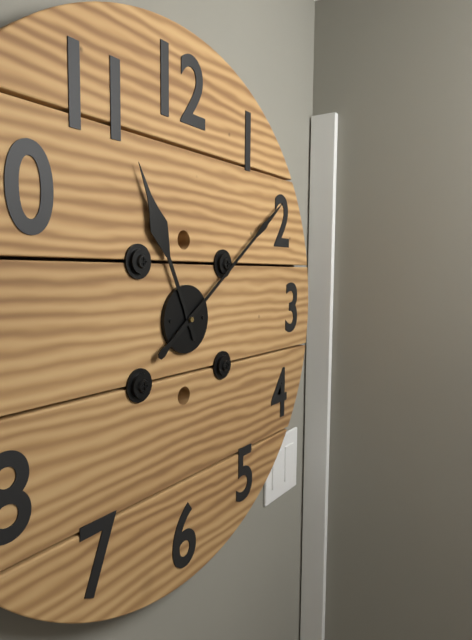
11h09
